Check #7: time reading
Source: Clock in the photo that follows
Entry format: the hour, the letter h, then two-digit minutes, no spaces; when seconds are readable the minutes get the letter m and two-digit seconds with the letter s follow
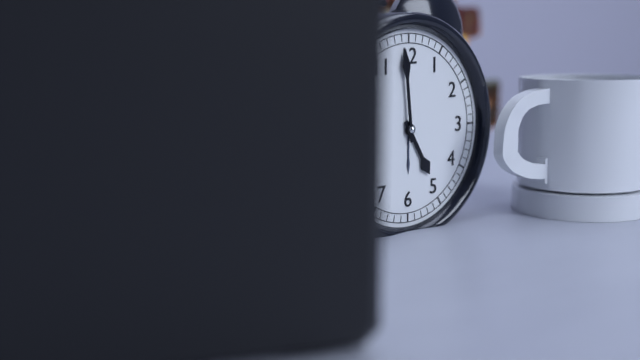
4h59
